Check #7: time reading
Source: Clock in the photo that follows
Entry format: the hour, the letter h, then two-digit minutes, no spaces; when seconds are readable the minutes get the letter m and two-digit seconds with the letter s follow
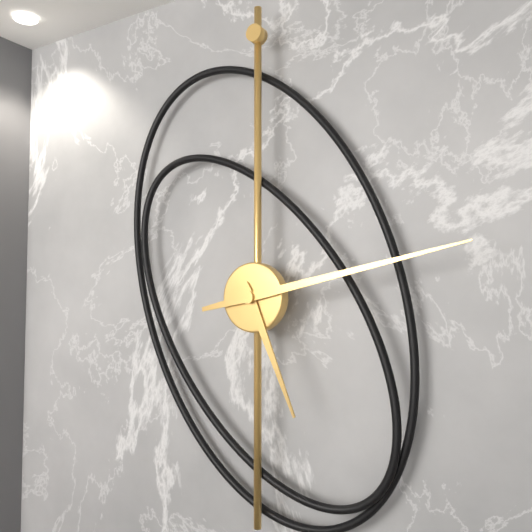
5h13
